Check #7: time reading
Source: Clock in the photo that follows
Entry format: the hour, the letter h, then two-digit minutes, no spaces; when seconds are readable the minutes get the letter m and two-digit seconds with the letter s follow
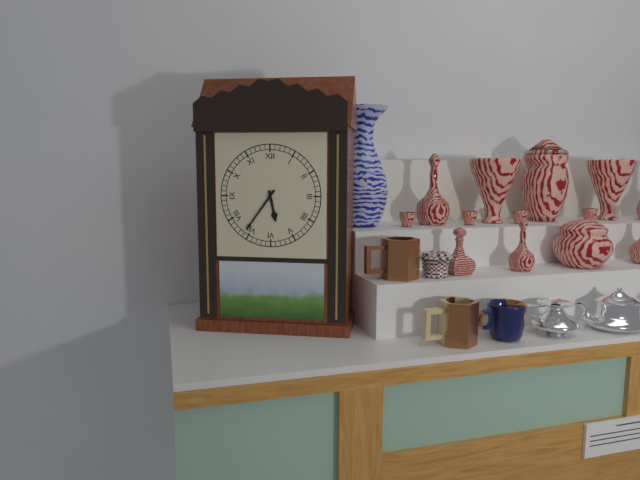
5h36
